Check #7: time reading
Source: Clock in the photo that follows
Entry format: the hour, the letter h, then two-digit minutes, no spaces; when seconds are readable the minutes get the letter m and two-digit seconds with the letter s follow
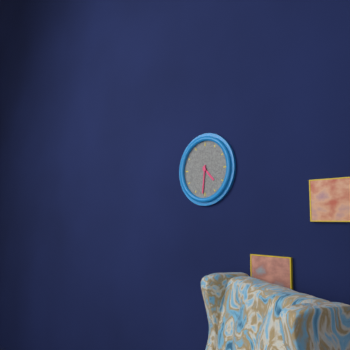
4h31
